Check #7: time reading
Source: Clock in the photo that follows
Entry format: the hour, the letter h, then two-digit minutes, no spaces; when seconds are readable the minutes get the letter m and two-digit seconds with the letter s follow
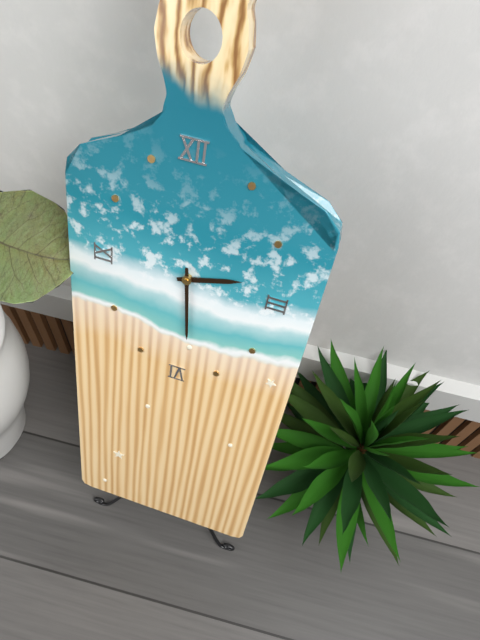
2h29
